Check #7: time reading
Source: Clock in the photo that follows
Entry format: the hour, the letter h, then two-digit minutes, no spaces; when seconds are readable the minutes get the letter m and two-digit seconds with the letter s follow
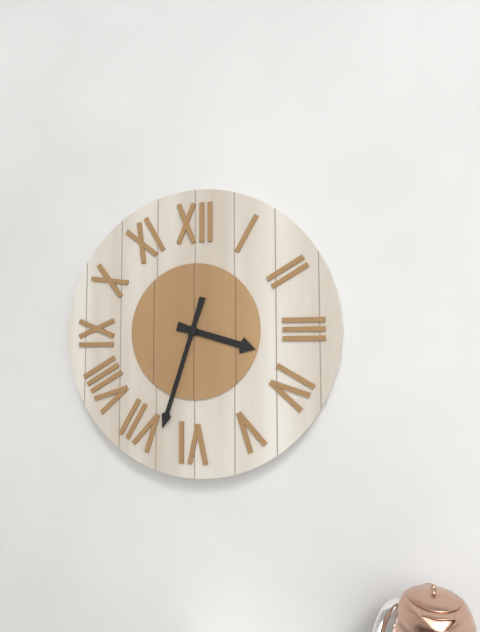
3h33
